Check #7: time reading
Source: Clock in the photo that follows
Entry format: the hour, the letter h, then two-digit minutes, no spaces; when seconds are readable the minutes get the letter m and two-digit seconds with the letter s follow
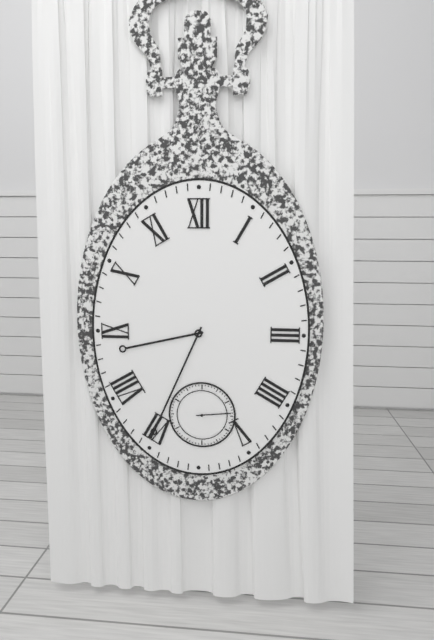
8h34
